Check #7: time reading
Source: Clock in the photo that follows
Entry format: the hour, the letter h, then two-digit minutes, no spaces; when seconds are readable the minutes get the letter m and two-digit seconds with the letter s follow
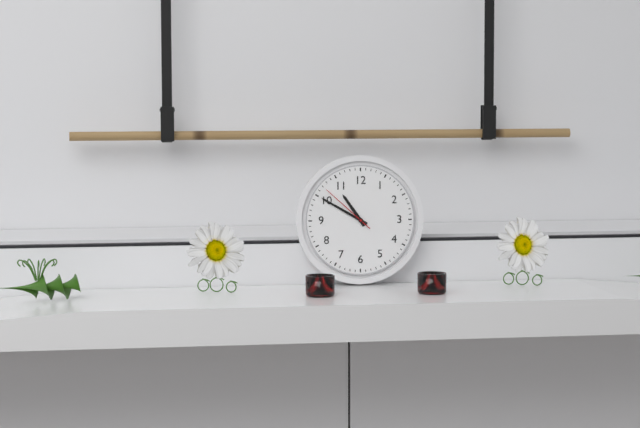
10h50m52s
